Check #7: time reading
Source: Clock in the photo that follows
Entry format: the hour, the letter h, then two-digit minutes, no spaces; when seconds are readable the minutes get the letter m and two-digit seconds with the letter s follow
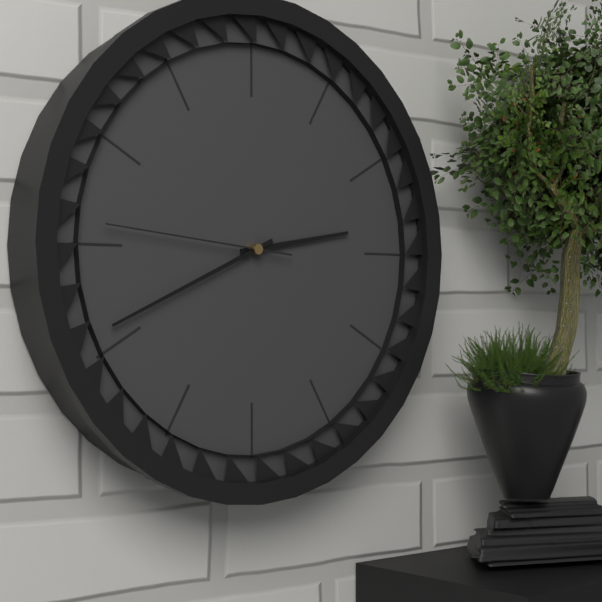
2h41m46s
